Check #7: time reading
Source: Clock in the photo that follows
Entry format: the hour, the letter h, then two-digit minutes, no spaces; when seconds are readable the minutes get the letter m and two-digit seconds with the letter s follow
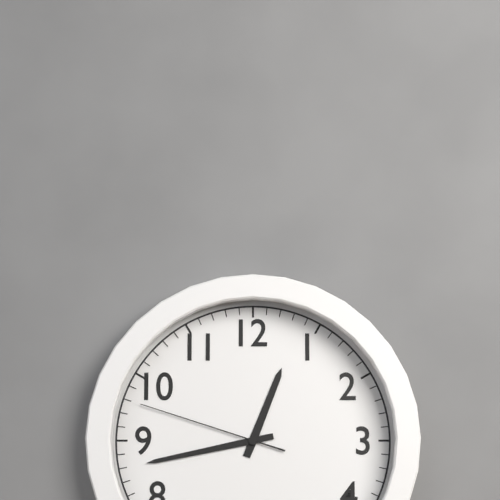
12h43m48s
